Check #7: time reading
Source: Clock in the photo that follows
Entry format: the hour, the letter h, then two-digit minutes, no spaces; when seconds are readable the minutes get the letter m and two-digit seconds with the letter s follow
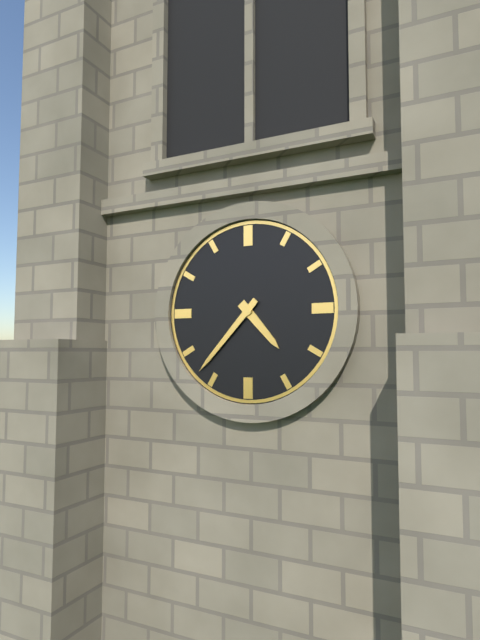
4h37
